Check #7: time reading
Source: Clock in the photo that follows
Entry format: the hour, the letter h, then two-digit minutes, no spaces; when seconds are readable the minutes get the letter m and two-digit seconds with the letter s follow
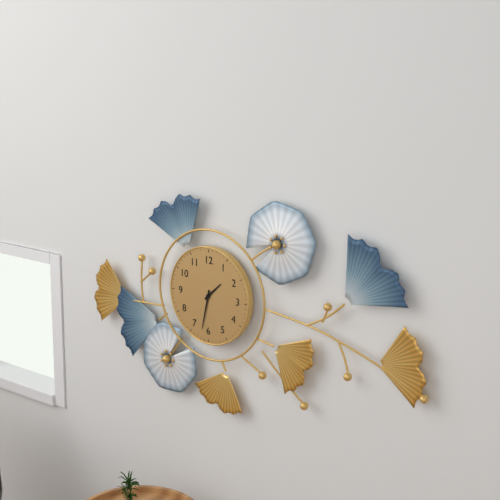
1h32
